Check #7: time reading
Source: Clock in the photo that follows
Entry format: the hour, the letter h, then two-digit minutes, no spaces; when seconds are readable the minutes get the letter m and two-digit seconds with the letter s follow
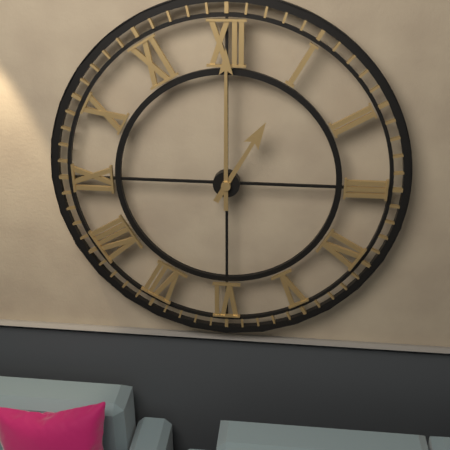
1h00
